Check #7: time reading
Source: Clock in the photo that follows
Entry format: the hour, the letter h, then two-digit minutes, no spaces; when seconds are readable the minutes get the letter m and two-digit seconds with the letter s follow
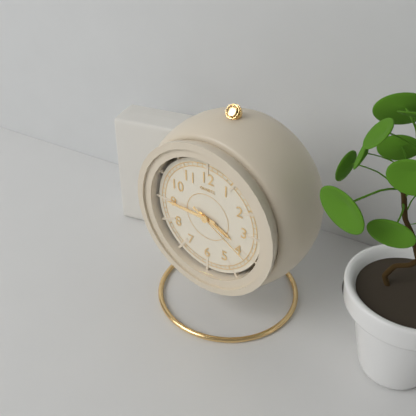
3h45m20s
